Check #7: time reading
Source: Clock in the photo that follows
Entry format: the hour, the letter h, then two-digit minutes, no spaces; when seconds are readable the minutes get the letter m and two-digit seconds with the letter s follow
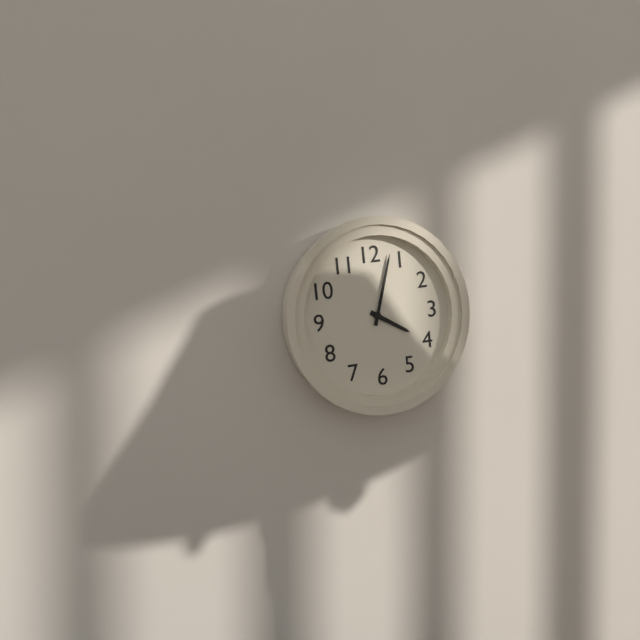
4h03
